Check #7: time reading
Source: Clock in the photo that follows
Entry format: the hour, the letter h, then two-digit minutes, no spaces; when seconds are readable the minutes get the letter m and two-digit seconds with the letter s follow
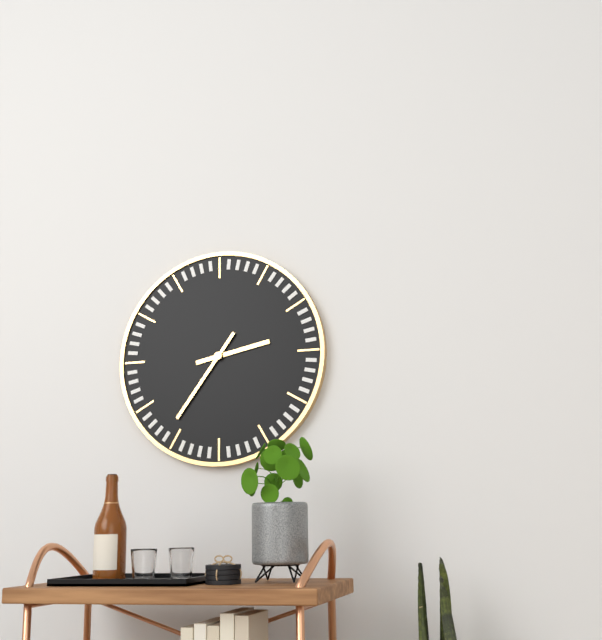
2h36
